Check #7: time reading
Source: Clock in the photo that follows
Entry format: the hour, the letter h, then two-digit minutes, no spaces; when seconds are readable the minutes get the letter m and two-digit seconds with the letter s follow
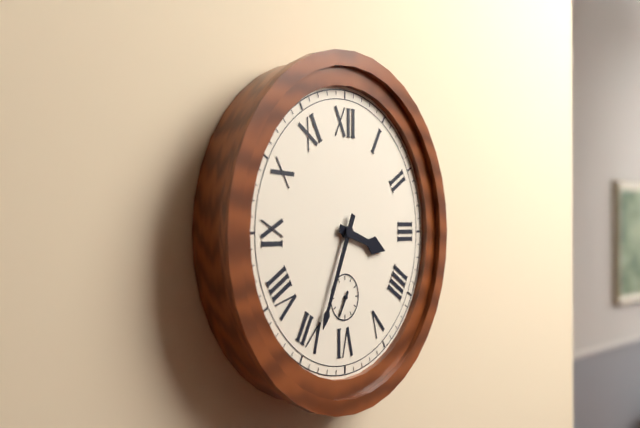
3h34
